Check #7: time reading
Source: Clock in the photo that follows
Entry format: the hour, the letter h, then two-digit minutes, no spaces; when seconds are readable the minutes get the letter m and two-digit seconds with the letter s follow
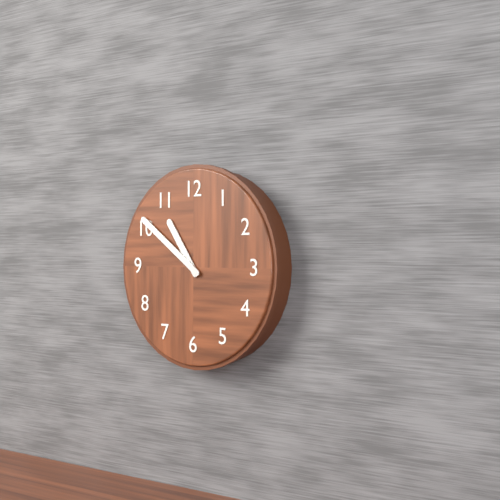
10h51
